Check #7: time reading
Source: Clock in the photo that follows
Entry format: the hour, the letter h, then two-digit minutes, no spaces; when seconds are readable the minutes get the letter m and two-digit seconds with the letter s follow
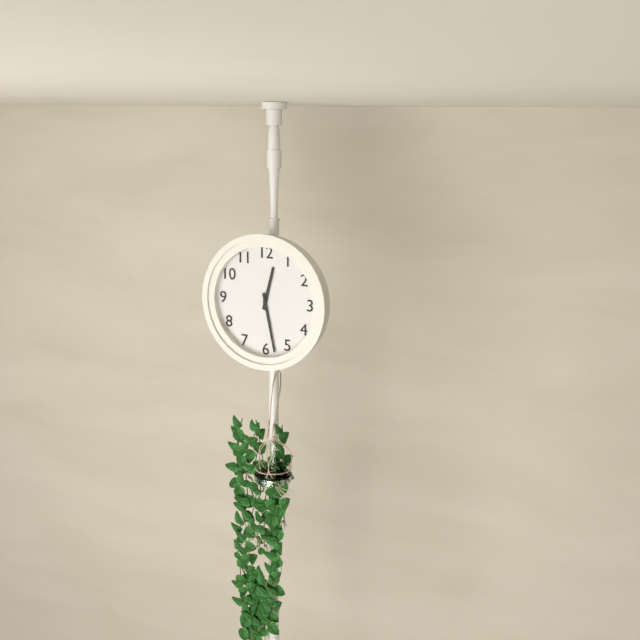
12h28
